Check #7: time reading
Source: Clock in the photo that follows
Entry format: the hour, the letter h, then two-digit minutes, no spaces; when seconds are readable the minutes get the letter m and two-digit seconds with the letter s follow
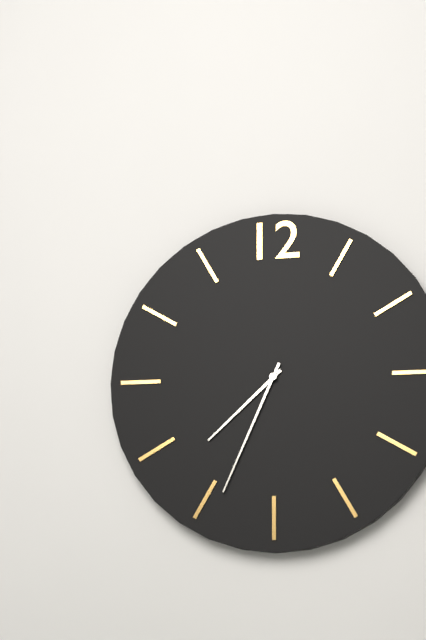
7h34
